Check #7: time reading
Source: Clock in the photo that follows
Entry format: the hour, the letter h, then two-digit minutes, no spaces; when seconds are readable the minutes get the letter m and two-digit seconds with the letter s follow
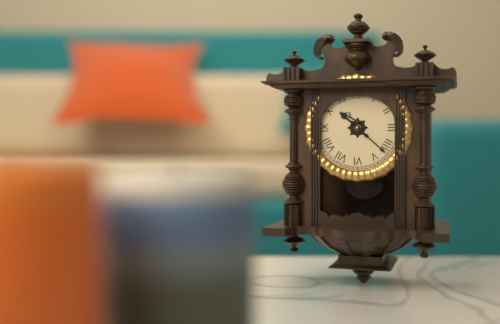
10h22
